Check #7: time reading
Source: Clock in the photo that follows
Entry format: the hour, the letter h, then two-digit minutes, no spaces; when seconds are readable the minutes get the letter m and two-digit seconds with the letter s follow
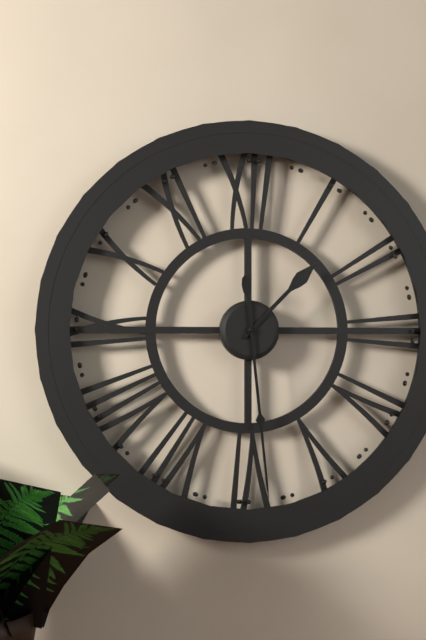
1h29
